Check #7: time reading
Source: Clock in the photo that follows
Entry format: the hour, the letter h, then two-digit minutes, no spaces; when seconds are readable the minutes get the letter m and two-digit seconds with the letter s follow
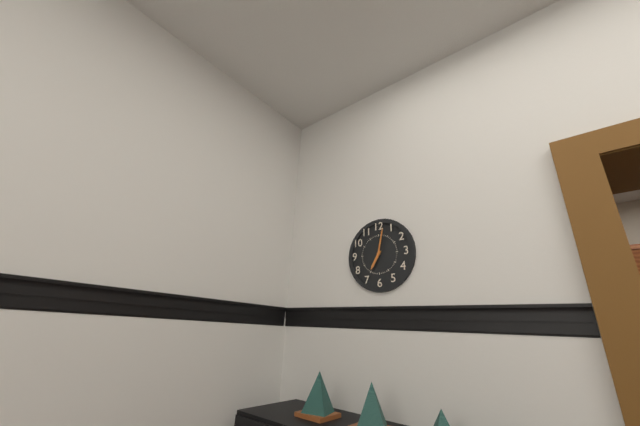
7h02
